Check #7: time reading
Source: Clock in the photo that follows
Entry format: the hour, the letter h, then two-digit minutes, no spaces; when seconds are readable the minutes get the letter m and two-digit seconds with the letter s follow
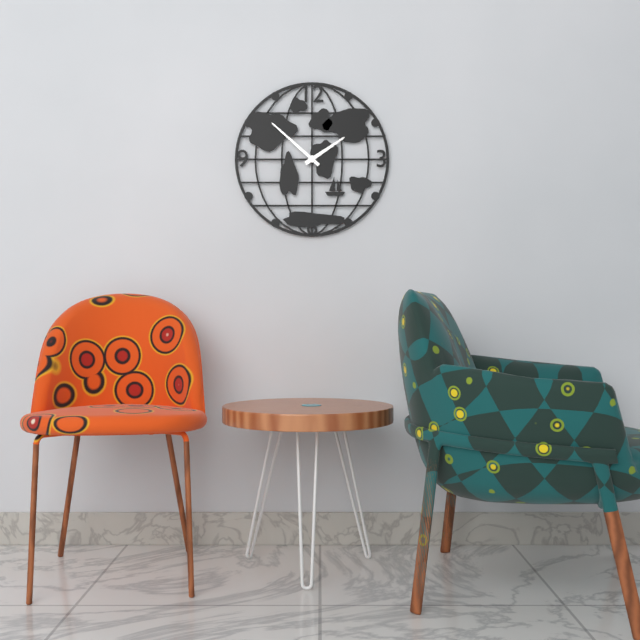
1h52
